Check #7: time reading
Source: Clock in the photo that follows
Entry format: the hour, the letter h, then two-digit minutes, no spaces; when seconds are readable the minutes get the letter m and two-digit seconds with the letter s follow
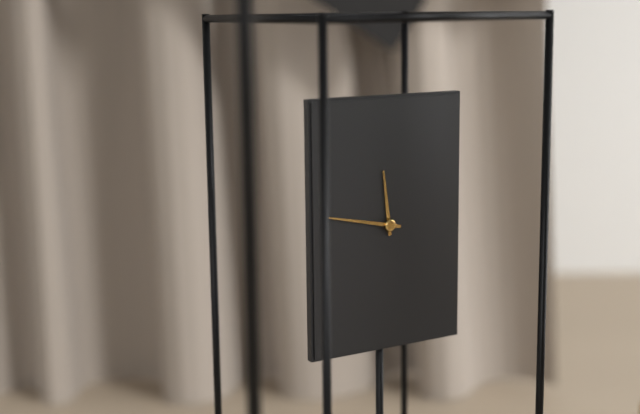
11h47
